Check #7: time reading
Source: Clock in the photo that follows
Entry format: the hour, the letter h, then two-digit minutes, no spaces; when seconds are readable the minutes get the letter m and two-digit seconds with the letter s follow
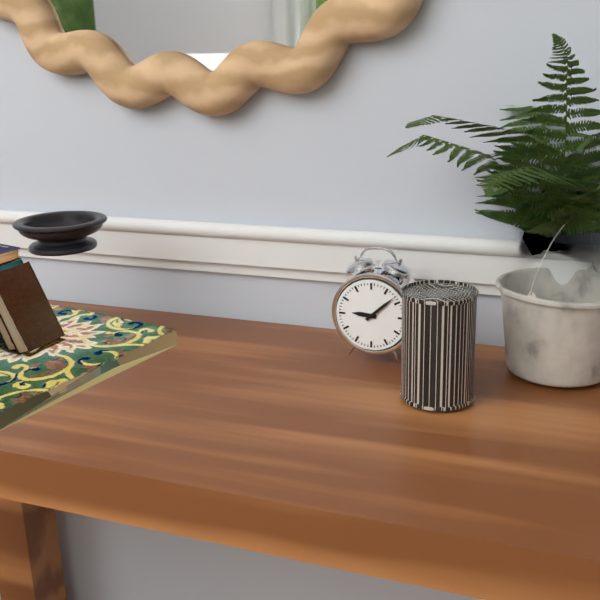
9h08
